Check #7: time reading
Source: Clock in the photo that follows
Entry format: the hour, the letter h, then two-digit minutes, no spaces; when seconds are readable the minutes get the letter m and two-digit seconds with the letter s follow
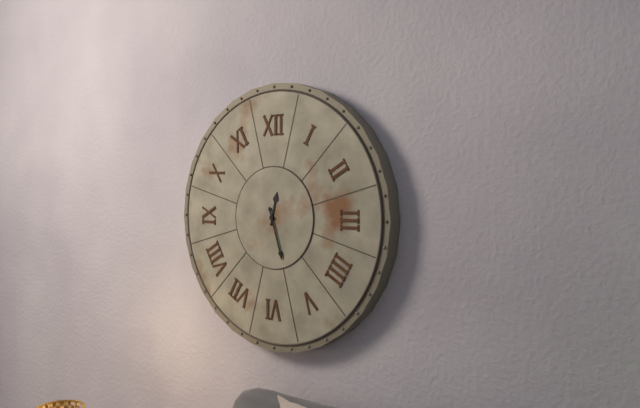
12h27
